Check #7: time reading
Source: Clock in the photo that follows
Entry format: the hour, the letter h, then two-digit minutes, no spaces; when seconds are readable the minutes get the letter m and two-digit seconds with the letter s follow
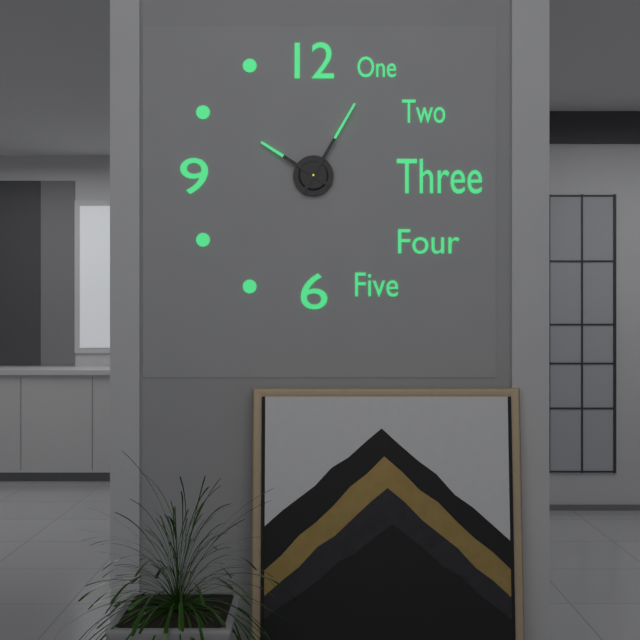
10h05
